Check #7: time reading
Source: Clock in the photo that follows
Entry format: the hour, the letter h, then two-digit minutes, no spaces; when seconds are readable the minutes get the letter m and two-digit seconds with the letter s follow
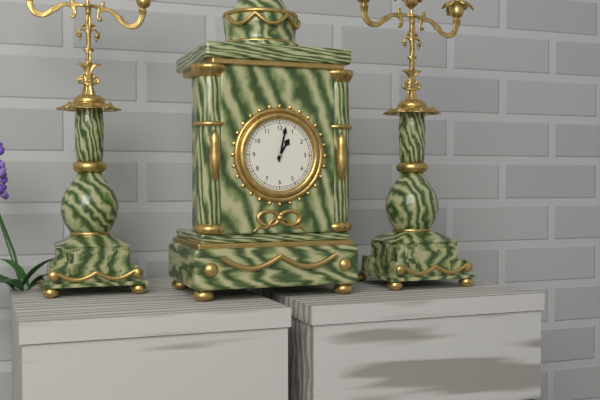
1h02
